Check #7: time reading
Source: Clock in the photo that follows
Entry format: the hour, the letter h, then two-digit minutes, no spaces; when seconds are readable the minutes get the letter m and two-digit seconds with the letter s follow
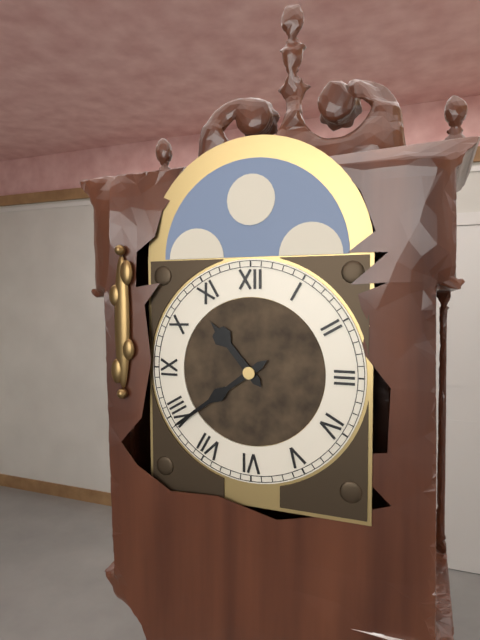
10h39
